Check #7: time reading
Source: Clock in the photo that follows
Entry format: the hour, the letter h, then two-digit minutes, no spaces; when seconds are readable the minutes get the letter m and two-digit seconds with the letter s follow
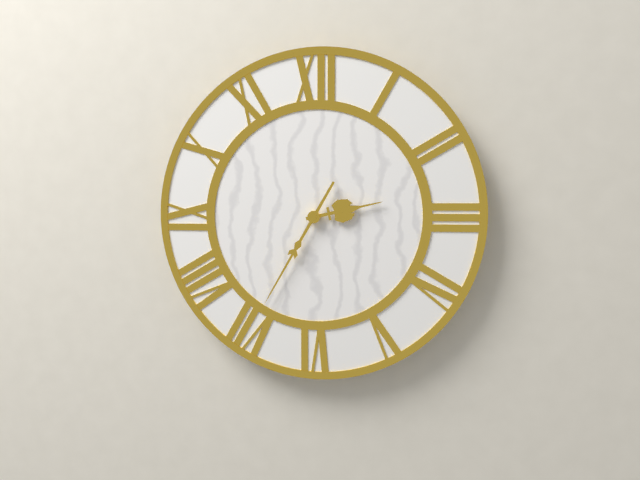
2h35
